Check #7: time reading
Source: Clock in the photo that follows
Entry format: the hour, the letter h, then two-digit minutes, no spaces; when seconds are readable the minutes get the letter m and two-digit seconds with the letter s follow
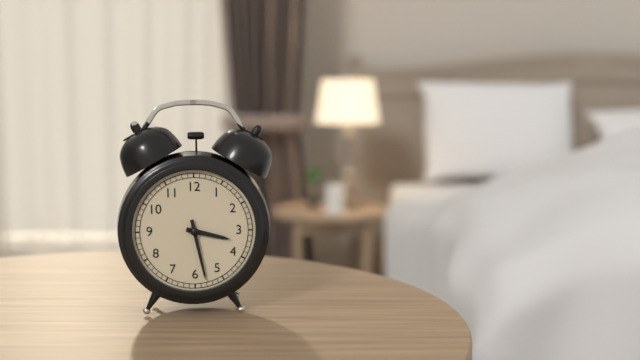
3h28
